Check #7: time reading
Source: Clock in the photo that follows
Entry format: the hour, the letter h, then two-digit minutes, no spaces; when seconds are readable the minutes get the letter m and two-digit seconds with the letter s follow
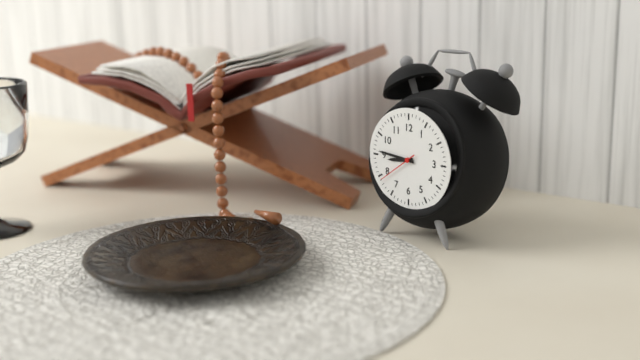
8h46
